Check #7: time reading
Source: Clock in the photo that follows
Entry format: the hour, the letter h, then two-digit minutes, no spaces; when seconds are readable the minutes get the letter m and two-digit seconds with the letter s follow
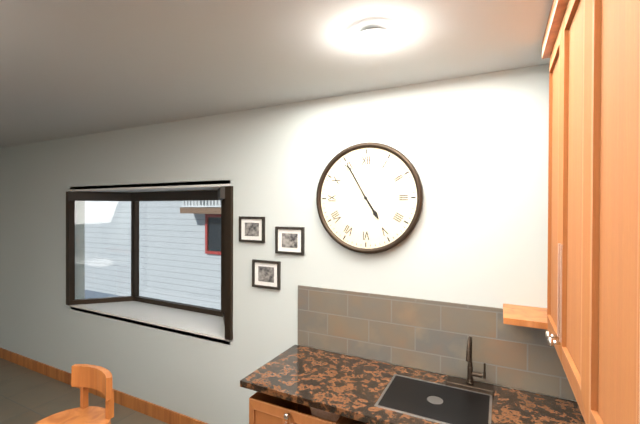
4h55
